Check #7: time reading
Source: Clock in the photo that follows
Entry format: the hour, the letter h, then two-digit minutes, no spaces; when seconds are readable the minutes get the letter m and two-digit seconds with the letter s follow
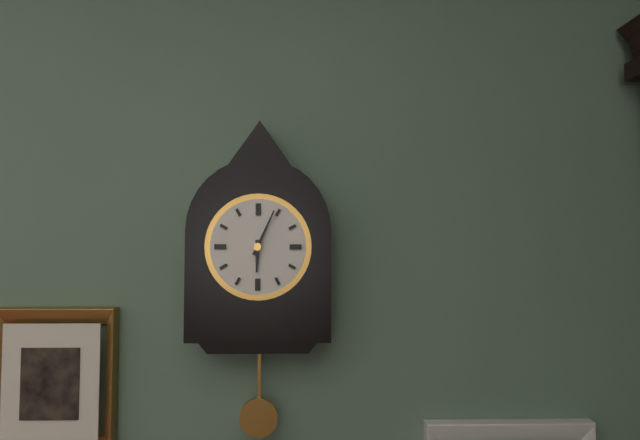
6h04
